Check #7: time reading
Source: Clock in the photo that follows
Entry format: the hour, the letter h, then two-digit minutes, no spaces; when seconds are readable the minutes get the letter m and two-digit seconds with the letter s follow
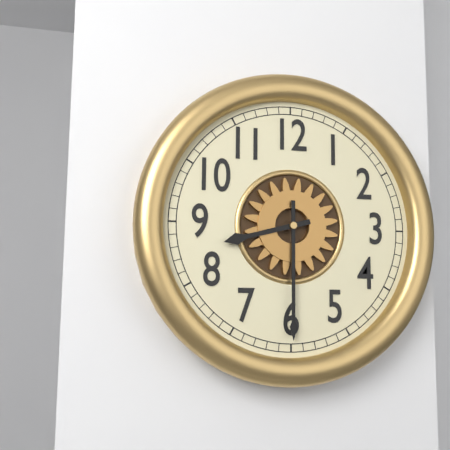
8h30
